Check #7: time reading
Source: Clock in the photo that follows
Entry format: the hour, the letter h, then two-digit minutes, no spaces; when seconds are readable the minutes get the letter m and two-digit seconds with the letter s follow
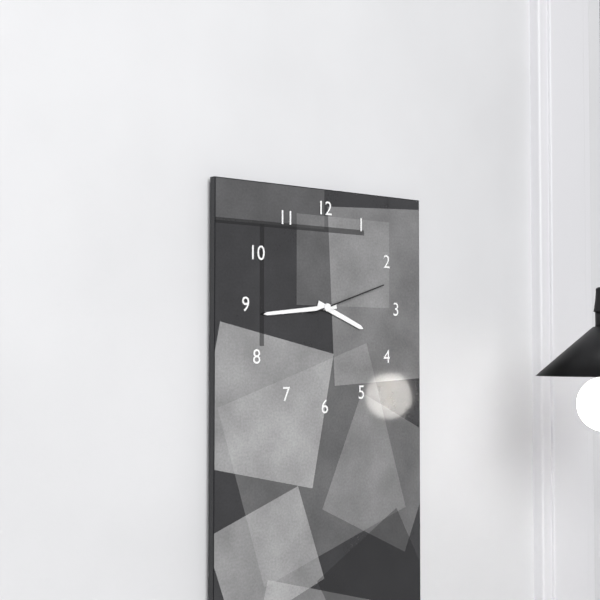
3h44m12s
